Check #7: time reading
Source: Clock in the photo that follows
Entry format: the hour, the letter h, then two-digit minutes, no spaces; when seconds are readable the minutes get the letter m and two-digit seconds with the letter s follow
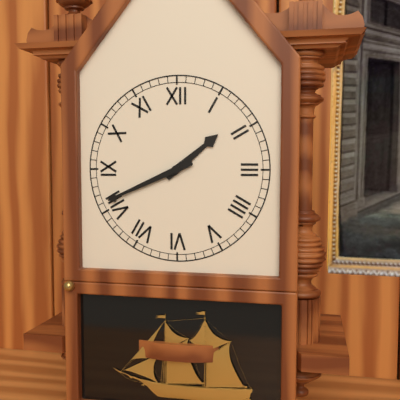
1h41
